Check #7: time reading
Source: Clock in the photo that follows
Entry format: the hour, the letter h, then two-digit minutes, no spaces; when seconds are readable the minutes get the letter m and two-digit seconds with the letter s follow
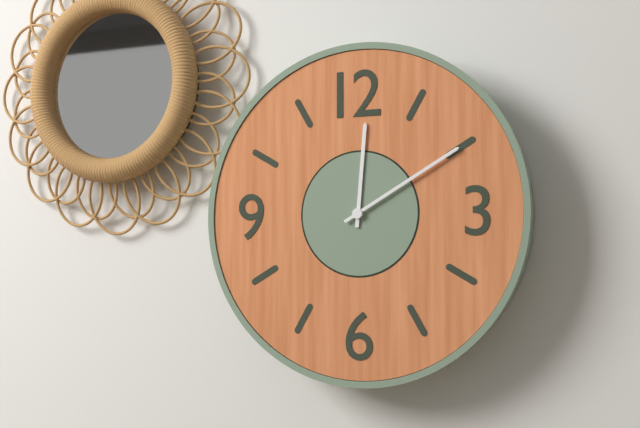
12h10
